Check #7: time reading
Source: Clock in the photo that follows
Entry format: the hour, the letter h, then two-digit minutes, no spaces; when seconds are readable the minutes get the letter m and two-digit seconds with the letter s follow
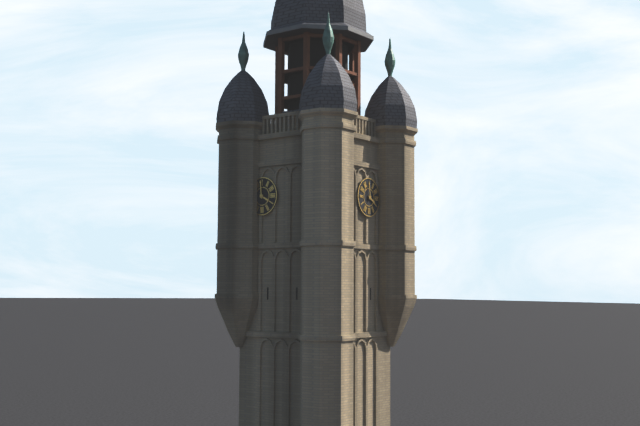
3h59
